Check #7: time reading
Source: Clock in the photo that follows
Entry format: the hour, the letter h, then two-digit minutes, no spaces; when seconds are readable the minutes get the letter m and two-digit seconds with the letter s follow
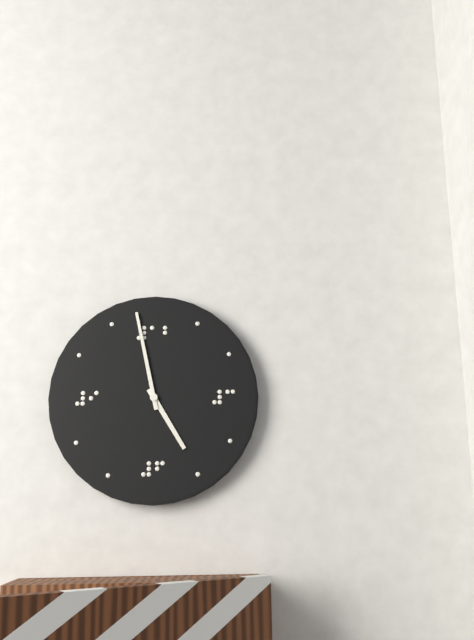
4h58
